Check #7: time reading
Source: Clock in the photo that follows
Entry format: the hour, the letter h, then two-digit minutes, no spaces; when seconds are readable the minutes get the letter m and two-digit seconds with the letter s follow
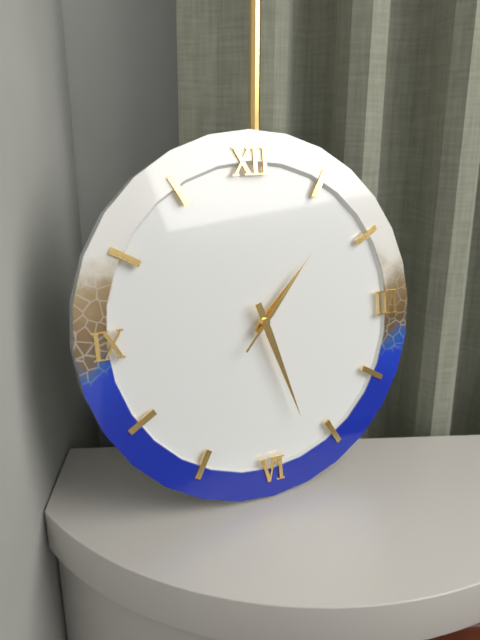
1h27m07s
